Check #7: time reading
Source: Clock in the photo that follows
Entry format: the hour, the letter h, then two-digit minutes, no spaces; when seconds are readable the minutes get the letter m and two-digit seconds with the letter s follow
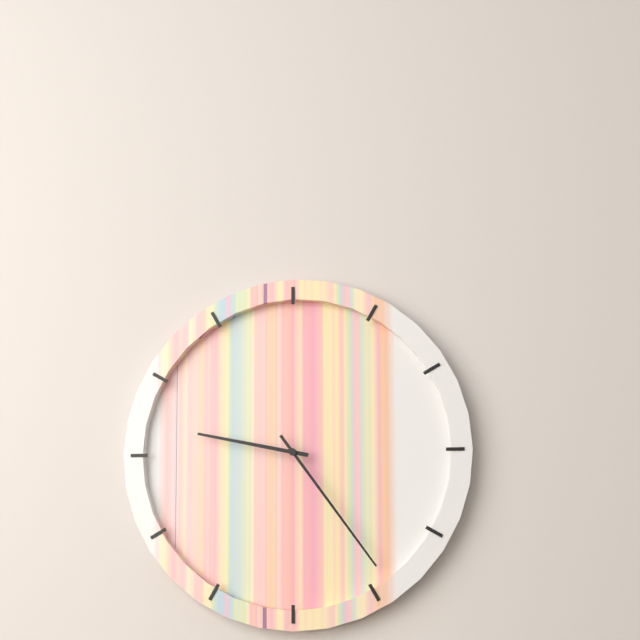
9h24
